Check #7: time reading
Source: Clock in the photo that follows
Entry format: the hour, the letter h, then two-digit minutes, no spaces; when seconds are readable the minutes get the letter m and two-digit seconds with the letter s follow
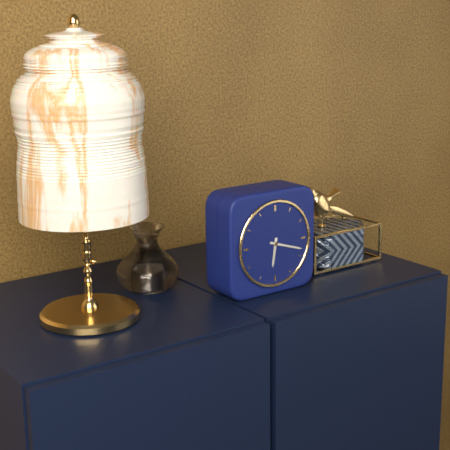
6h18
